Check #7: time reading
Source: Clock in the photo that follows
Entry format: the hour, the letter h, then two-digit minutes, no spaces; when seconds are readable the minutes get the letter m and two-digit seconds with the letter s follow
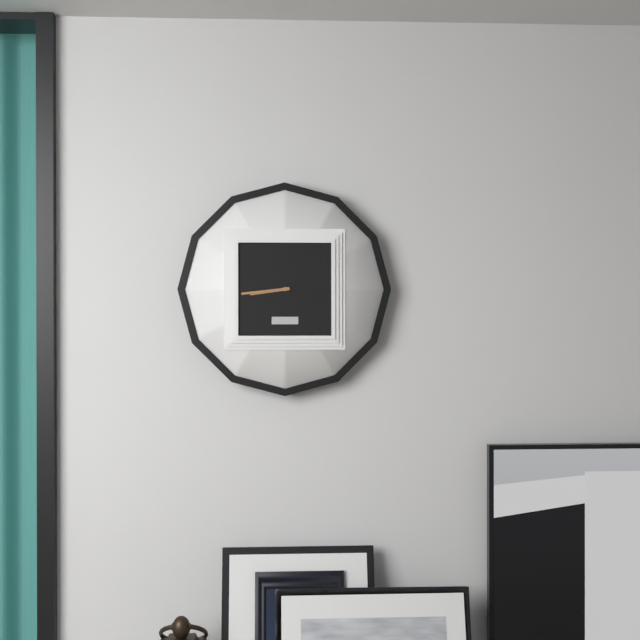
8h44
